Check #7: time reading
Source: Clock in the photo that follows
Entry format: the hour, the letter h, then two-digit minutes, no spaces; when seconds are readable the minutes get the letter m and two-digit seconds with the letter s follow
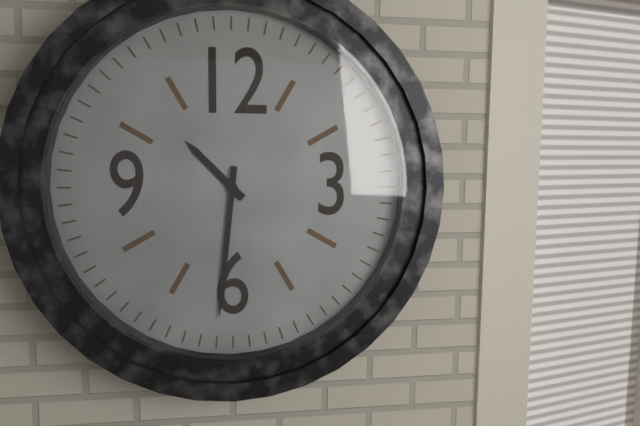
10h31
